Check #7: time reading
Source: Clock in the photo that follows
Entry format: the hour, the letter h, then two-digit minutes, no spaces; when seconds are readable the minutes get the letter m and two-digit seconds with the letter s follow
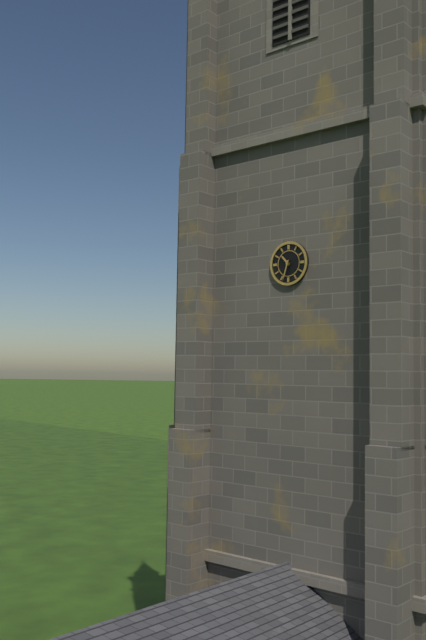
10h33
